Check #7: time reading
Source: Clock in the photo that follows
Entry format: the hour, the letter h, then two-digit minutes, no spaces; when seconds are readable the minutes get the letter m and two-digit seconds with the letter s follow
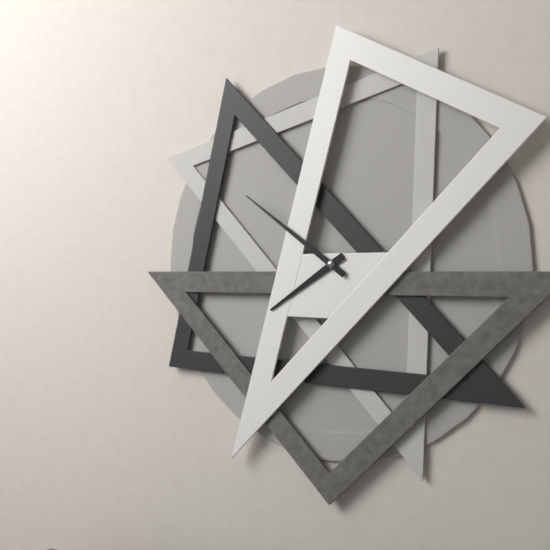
7h51
